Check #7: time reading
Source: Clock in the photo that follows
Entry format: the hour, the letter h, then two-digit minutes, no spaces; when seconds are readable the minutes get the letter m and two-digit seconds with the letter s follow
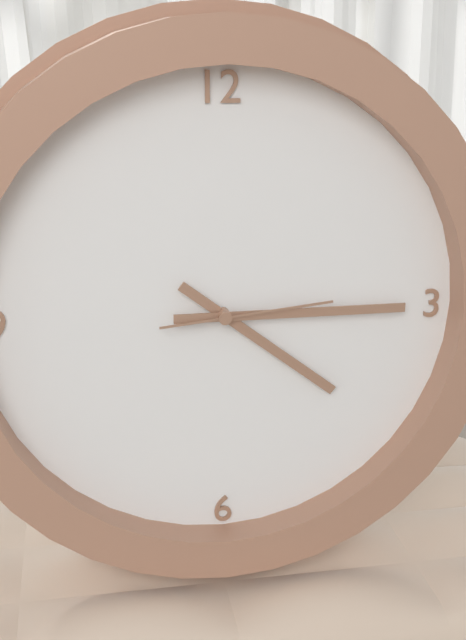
4h15m14s
